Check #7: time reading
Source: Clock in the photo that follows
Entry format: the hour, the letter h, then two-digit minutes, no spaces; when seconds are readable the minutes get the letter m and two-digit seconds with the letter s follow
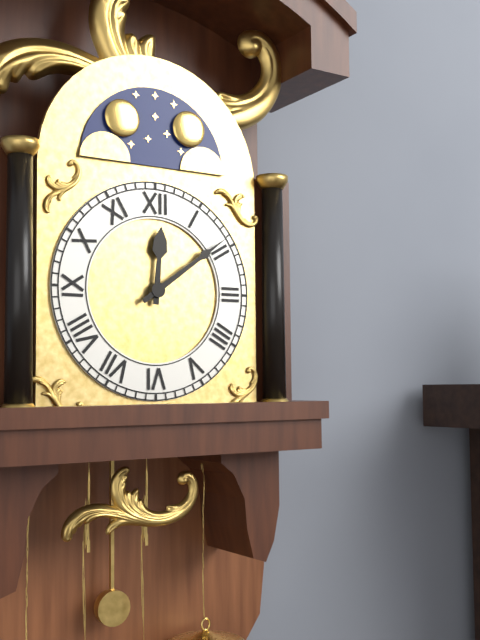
12h09
